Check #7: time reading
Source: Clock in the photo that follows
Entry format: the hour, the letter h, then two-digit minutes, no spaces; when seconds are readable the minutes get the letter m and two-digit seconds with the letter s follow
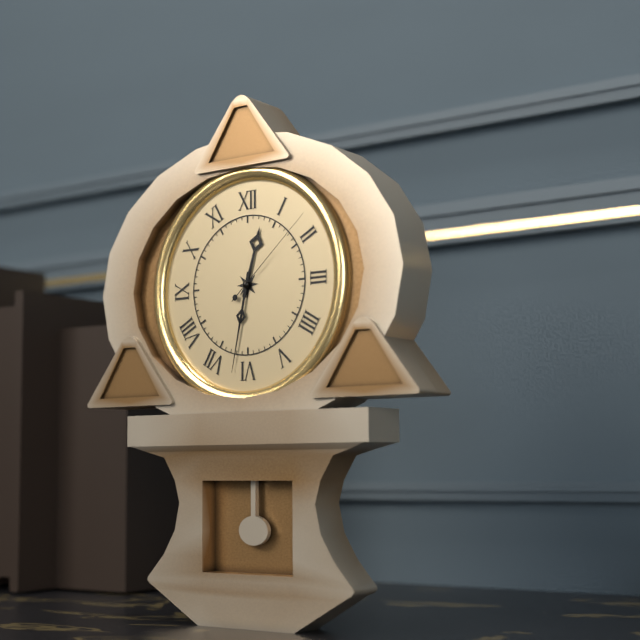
12h32m08s
